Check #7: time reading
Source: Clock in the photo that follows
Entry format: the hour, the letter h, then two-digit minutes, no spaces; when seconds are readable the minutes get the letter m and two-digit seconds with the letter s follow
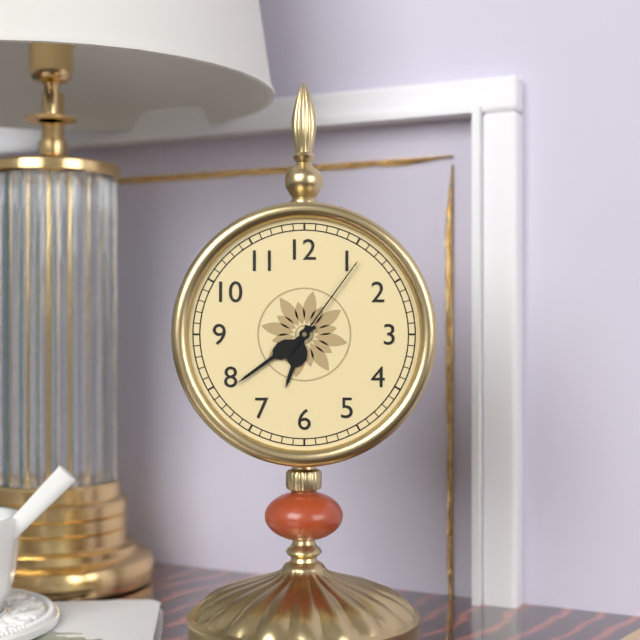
6h39m06s
